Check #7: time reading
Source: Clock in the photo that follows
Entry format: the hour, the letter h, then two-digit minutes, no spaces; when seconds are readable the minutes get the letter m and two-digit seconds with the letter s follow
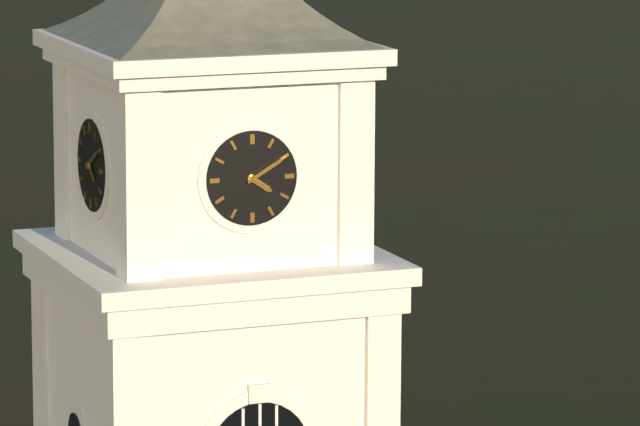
4h10
